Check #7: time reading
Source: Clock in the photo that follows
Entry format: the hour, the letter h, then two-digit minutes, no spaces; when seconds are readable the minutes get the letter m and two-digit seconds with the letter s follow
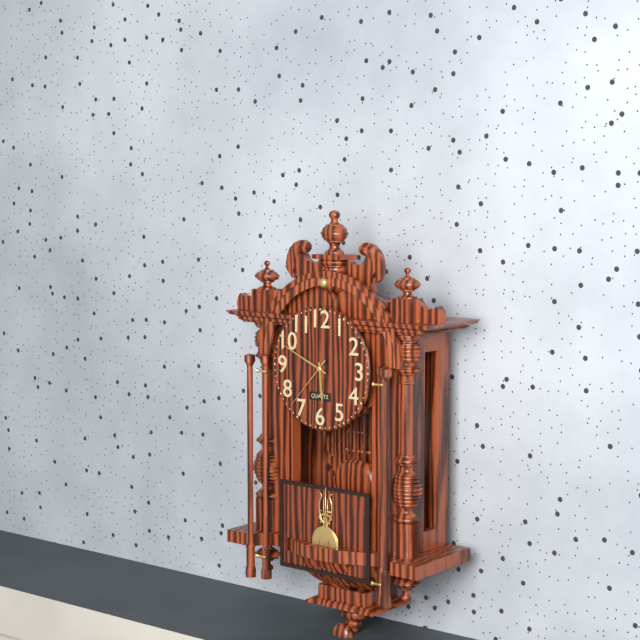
5h49m37s
